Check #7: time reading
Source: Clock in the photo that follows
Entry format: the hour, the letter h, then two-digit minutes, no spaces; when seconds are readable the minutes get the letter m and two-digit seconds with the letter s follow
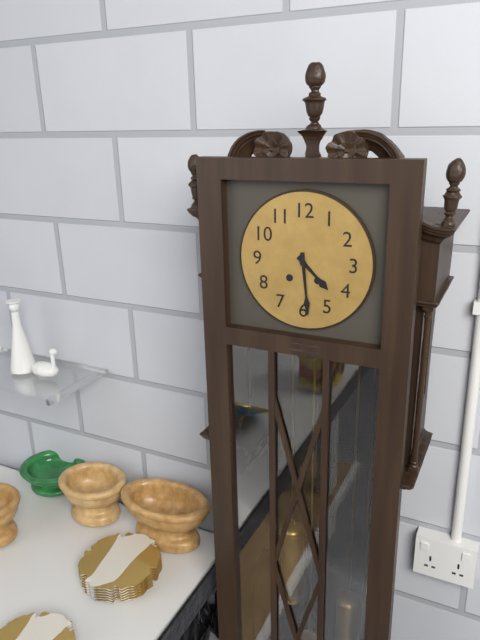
4h29
